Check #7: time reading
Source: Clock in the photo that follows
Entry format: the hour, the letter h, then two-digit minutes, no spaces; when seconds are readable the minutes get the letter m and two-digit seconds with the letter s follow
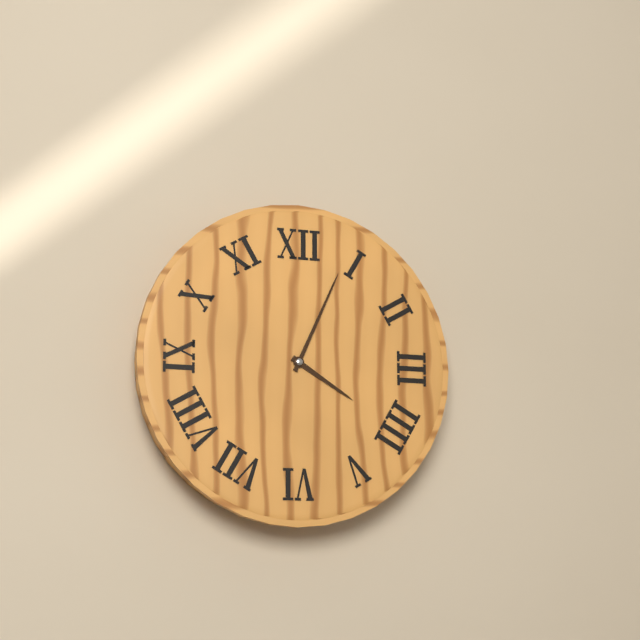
4h04
